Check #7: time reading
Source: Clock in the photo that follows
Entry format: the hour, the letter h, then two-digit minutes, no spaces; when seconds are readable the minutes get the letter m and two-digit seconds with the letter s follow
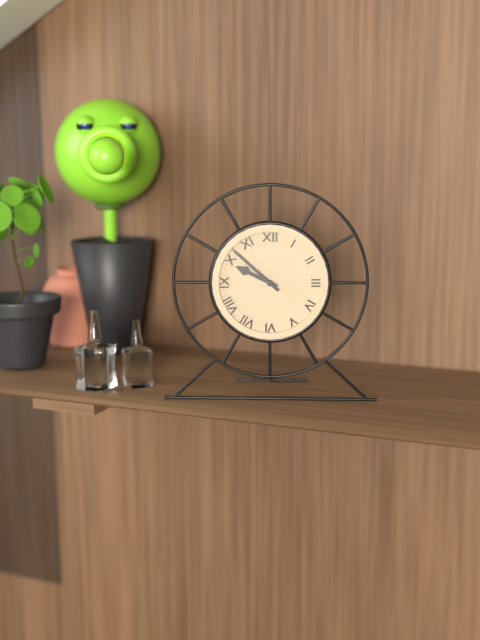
9h52
